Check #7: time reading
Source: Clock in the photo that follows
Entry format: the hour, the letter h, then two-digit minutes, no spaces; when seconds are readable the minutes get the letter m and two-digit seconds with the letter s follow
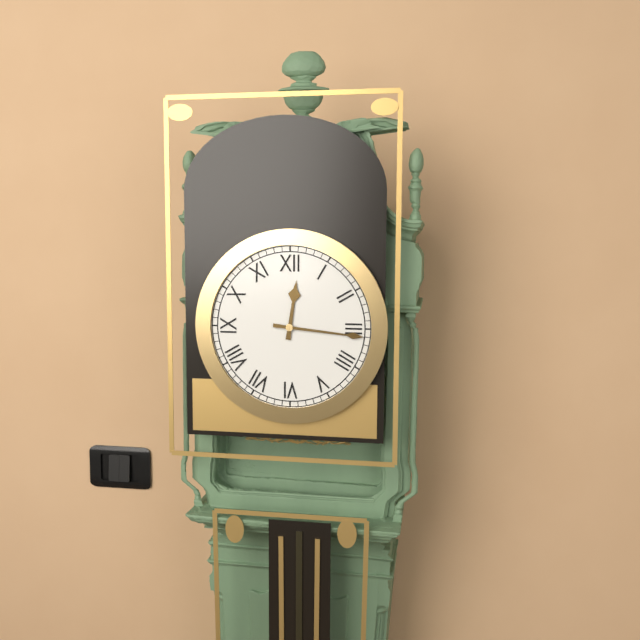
12h16
